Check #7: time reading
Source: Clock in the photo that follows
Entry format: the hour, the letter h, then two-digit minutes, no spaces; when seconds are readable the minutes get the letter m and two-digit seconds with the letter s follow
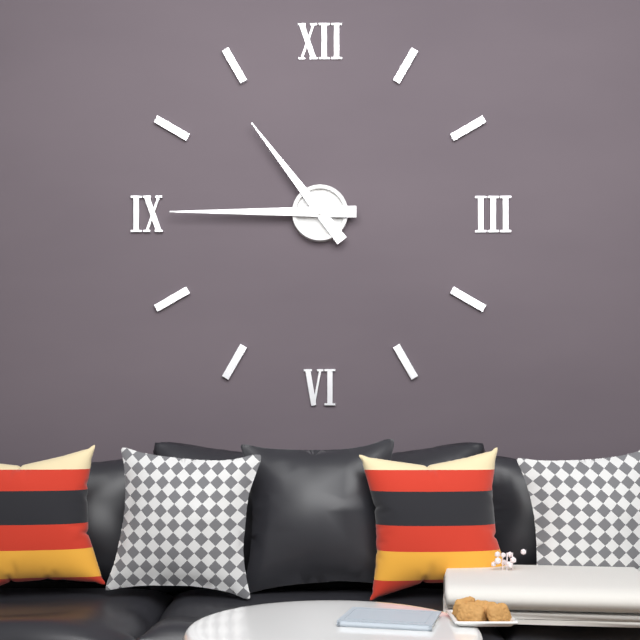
10h45
